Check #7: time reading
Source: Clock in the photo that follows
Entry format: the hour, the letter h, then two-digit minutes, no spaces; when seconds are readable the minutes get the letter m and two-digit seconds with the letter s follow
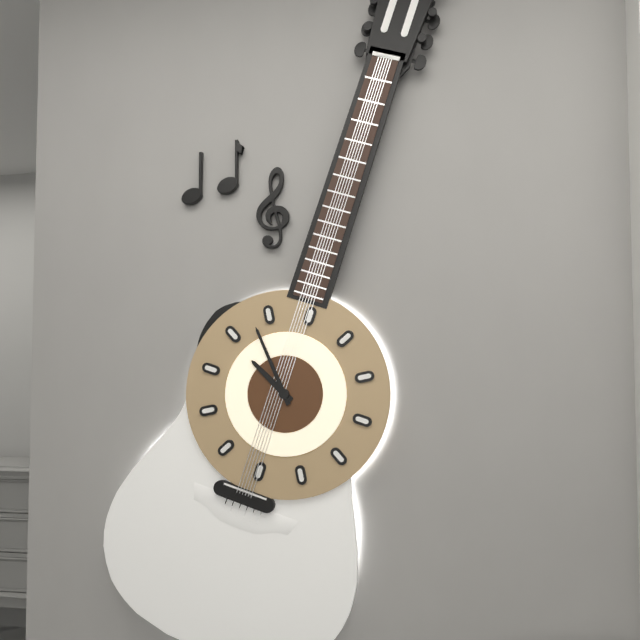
9h53
